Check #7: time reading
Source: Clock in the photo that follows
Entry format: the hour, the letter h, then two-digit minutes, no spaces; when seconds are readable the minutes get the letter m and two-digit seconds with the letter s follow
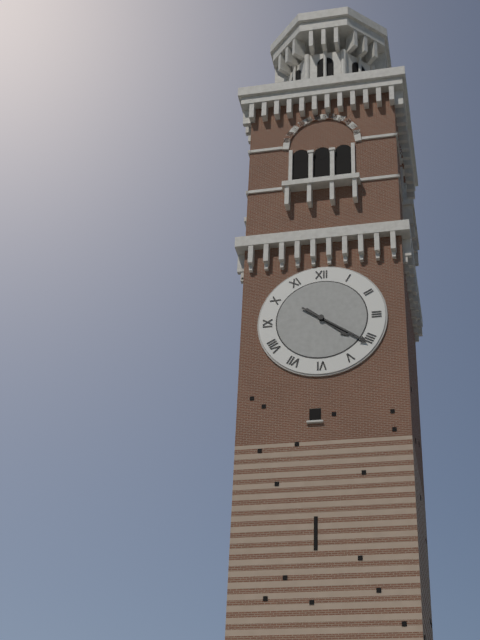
4h21
